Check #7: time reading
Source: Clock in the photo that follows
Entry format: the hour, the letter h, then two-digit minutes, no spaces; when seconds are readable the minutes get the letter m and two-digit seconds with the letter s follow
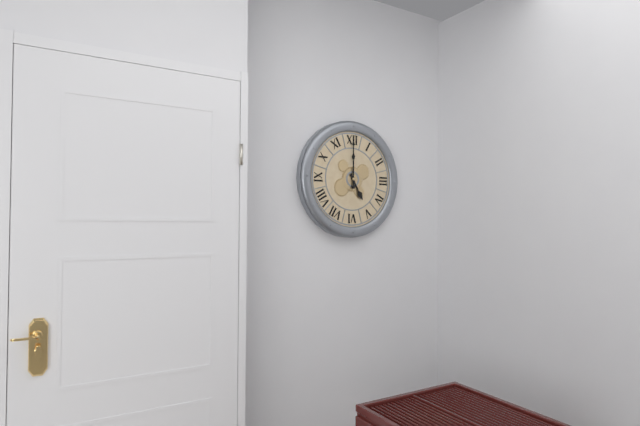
5h00
